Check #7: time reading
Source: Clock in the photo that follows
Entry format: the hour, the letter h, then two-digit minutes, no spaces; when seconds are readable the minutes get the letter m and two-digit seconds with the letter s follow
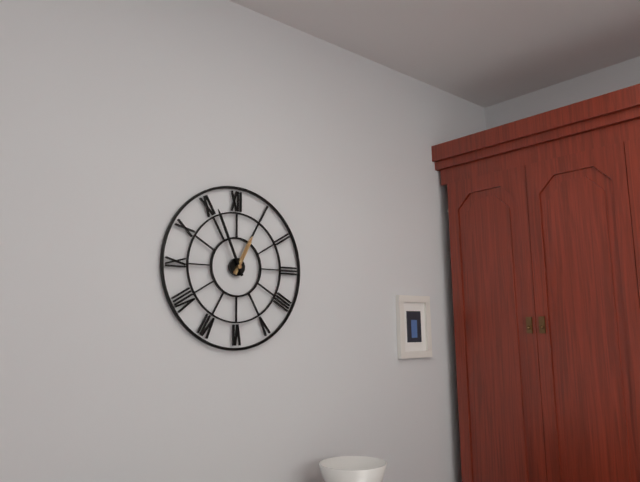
12h56
